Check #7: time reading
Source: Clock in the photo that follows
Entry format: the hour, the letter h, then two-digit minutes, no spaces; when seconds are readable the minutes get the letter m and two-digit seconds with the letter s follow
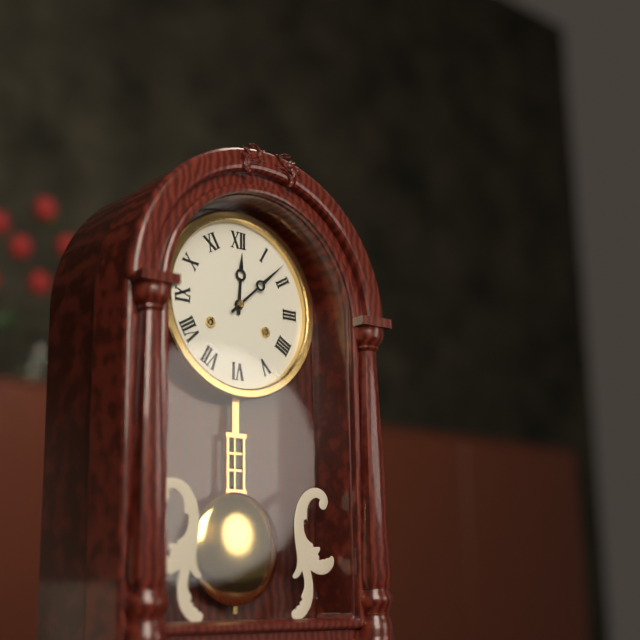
12h08
